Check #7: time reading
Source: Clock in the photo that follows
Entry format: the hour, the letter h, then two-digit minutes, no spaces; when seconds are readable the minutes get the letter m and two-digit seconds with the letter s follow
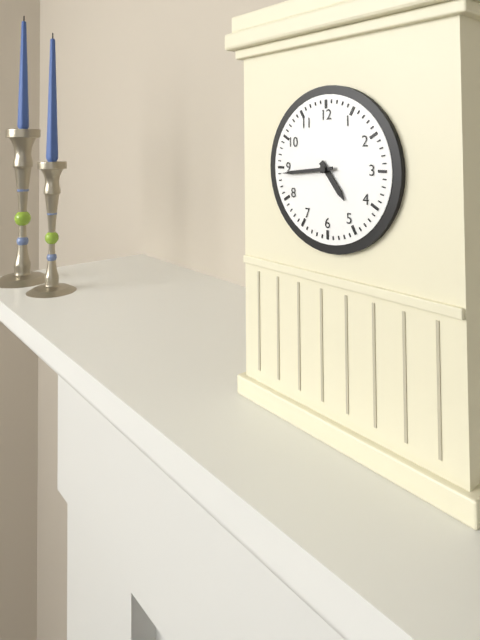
4h44
